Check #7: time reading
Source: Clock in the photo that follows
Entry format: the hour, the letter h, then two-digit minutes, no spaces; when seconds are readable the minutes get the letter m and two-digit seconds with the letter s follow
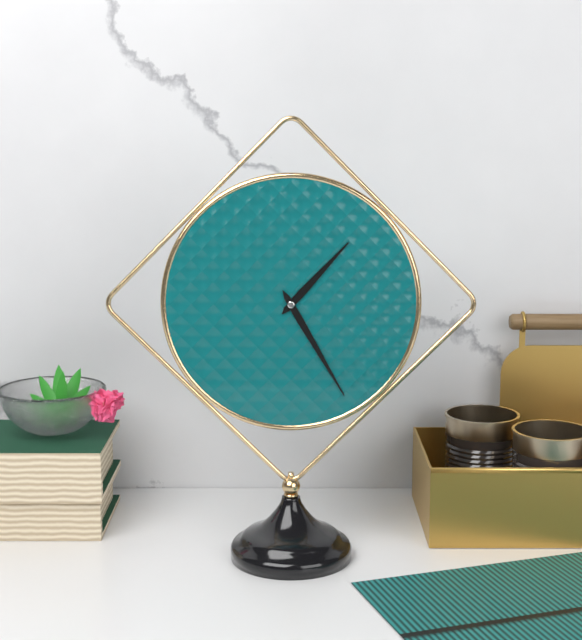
1h25
